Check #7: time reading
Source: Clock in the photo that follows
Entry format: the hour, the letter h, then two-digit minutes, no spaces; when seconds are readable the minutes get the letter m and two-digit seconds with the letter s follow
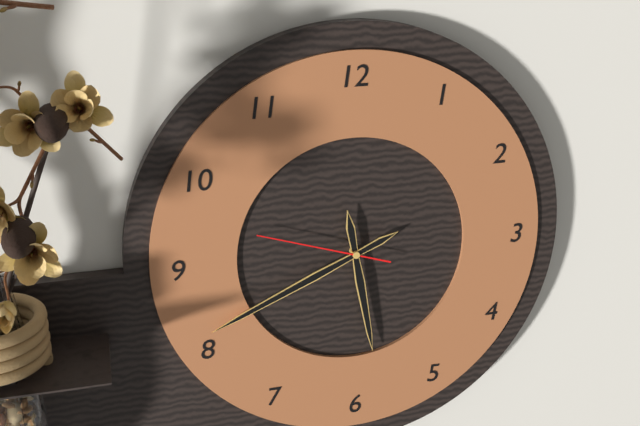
5h41m48s
